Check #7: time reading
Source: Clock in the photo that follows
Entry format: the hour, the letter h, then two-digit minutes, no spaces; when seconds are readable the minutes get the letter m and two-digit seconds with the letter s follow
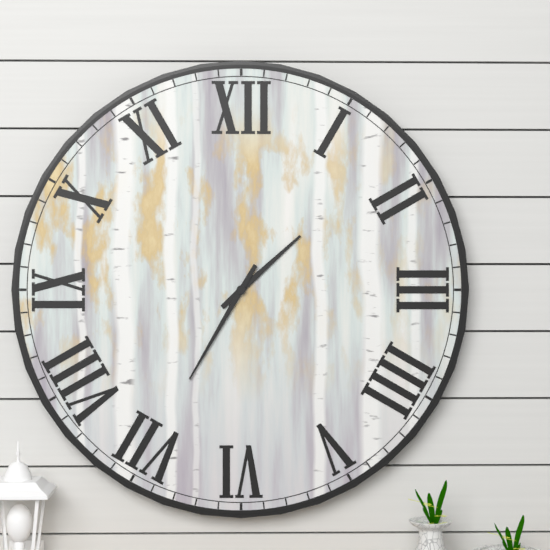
1h35
